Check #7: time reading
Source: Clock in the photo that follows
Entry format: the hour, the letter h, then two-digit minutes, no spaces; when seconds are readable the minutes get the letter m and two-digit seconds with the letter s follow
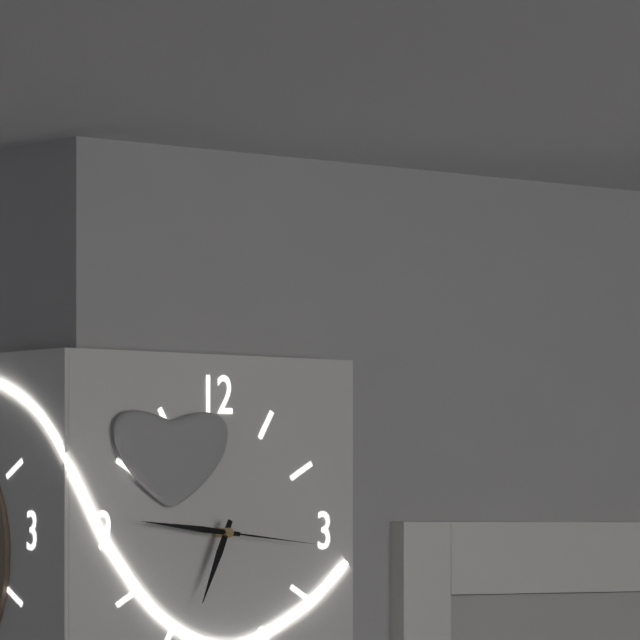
6h46m16s
